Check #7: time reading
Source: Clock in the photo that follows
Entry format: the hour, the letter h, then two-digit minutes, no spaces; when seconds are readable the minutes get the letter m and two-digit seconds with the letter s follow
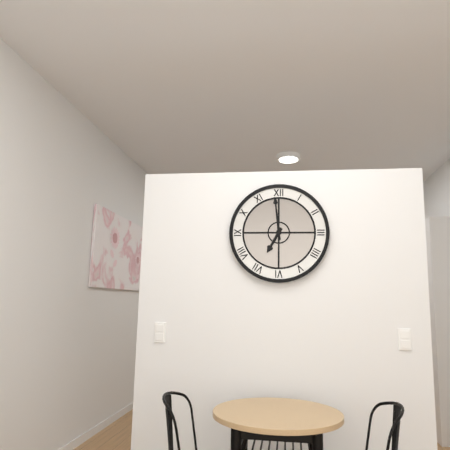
6h59
